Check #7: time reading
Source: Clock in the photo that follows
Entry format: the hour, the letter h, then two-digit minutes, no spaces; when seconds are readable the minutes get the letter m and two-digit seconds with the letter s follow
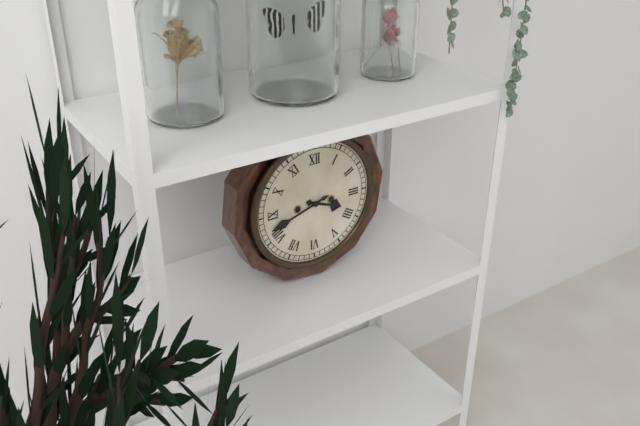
3h42
